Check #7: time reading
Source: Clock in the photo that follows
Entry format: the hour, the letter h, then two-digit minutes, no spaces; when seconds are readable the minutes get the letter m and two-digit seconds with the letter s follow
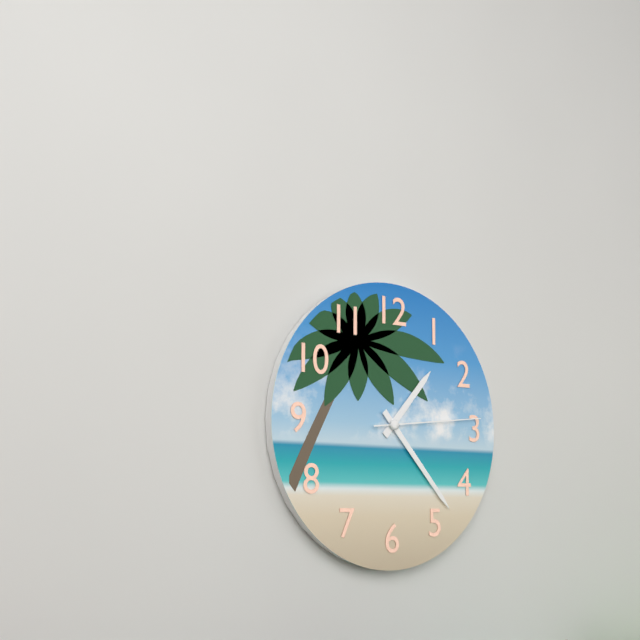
1h23m14s
